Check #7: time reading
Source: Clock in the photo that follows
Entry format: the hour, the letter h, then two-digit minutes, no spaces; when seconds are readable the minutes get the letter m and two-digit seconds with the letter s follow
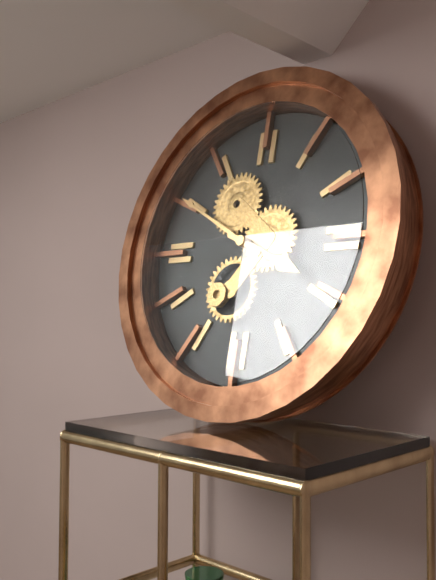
3h50
